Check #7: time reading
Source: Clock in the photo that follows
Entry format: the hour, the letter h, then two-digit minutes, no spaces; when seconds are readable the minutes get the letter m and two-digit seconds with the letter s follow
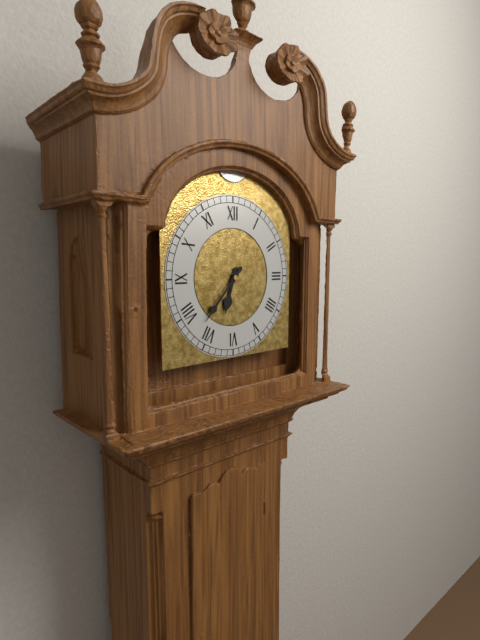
6h37
